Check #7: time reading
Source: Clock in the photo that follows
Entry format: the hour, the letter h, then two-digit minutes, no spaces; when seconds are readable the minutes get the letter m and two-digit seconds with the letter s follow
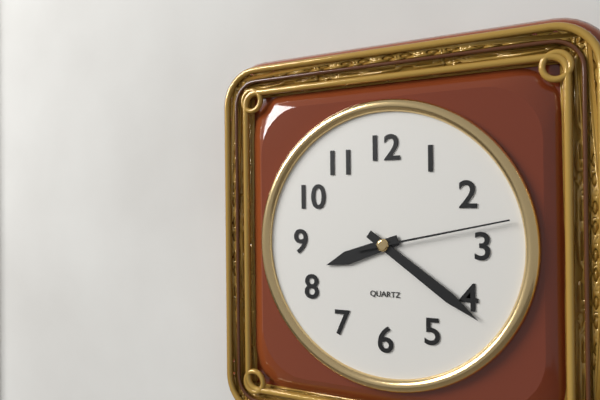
8h21m13s
